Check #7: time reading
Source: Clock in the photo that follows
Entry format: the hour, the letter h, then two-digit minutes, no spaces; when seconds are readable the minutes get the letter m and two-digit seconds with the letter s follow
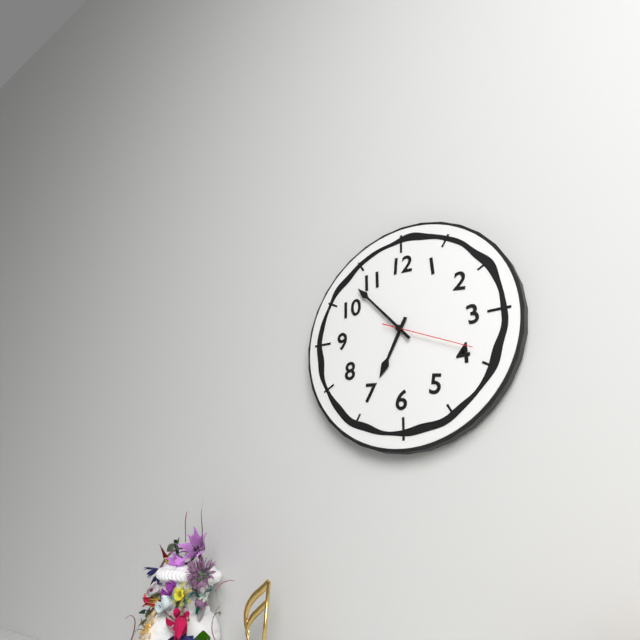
6h53m19s
